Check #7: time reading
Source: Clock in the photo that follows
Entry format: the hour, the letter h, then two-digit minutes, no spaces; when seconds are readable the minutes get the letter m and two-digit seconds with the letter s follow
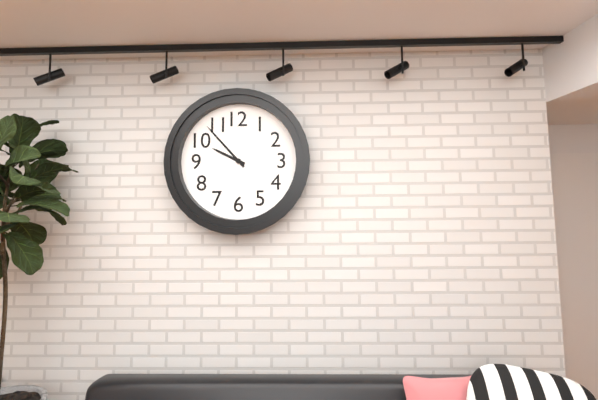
9h53
